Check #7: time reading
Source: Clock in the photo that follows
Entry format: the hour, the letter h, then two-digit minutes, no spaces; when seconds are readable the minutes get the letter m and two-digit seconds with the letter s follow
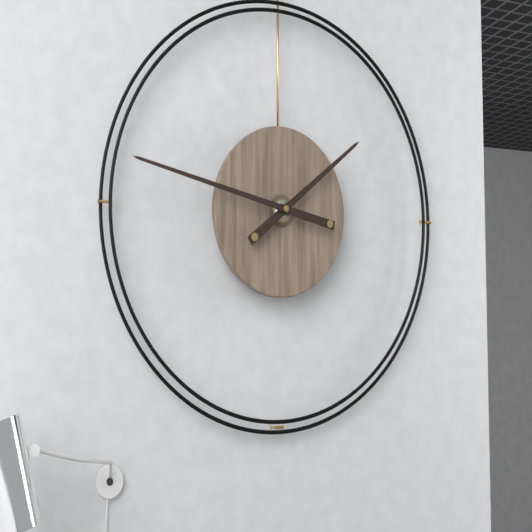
1h47
